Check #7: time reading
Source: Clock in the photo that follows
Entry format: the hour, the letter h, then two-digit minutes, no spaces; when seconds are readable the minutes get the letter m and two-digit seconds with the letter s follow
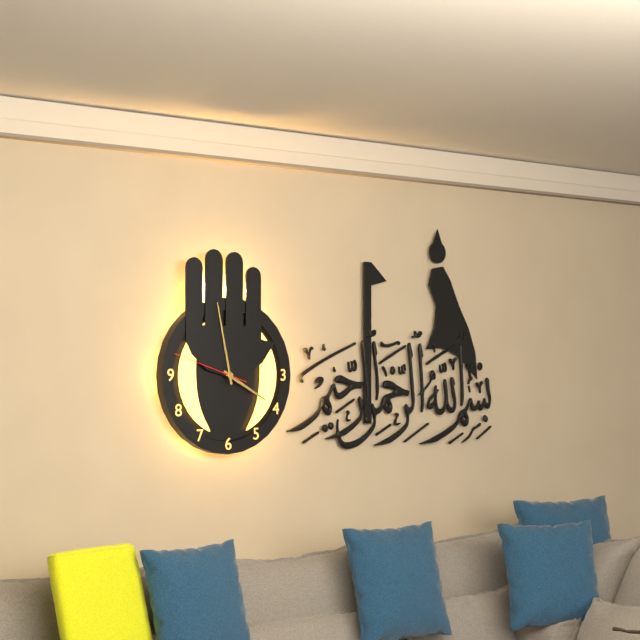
3h58m48s
